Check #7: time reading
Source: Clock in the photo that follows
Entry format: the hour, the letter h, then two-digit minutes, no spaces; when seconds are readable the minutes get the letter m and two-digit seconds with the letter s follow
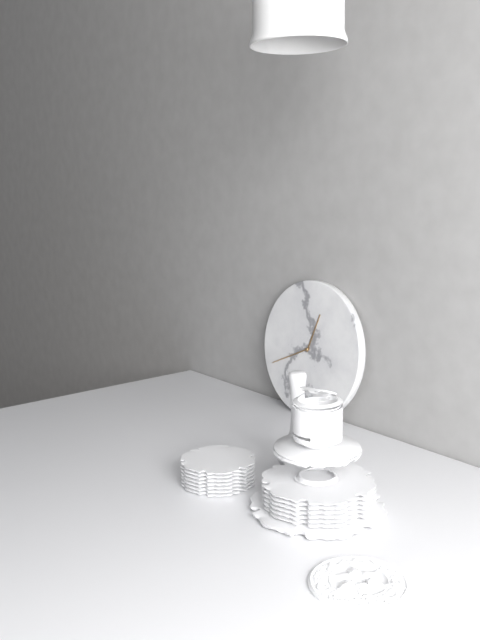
12h41
